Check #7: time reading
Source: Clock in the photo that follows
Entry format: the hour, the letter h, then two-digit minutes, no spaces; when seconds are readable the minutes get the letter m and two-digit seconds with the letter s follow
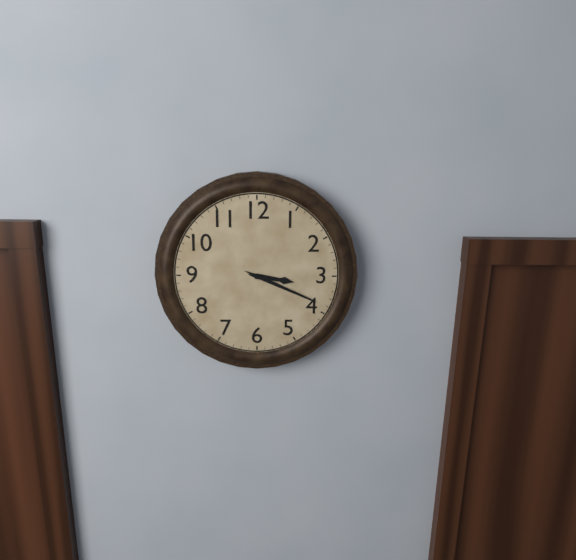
3h19
